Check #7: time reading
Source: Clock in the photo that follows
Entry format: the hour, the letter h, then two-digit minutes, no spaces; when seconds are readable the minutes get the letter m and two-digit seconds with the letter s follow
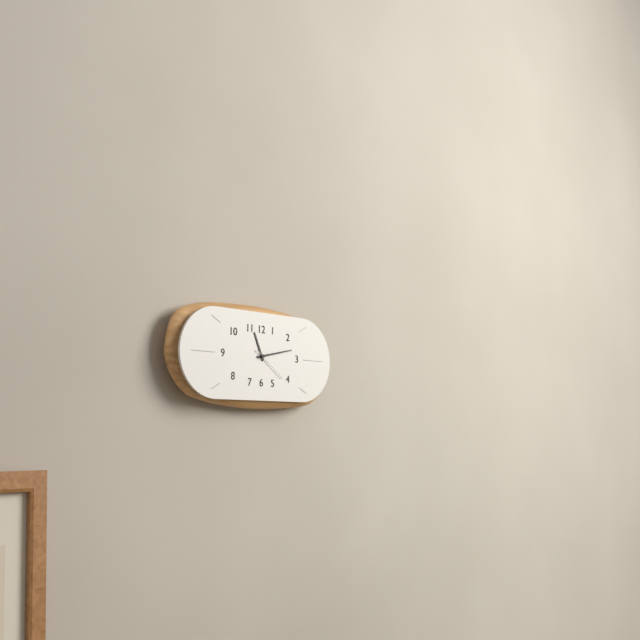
11h13
